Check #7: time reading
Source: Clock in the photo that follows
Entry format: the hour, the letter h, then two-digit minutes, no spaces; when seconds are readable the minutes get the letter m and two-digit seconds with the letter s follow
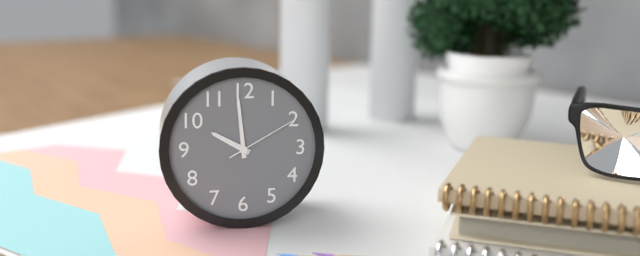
9h59m10s
